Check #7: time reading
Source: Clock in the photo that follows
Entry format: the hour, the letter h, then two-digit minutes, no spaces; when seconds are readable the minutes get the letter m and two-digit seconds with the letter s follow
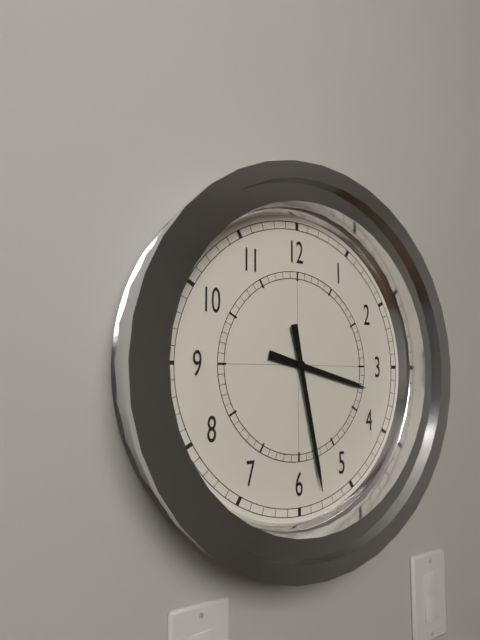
3h28
